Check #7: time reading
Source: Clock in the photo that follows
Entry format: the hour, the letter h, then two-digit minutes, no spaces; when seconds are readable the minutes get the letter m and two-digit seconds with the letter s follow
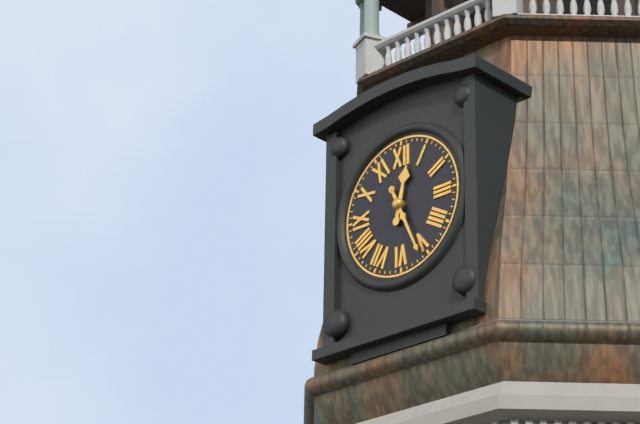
12h26
